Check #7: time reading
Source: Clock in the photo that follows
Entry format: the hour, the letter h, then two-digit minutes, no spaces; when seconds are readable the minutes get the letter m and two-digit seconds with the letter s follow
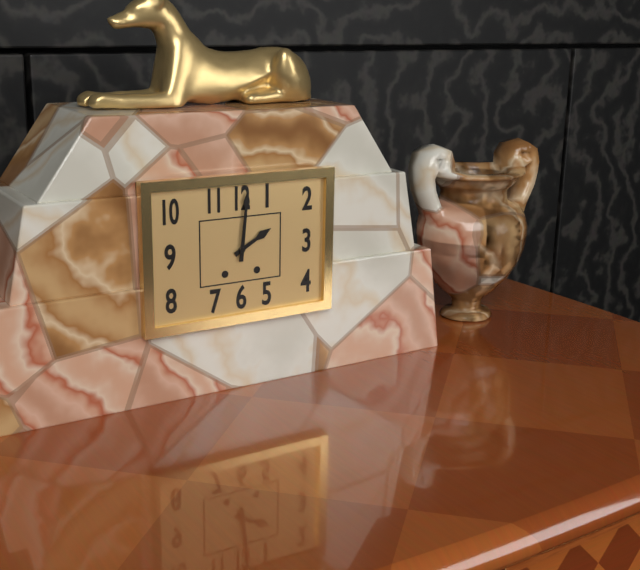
2h01
